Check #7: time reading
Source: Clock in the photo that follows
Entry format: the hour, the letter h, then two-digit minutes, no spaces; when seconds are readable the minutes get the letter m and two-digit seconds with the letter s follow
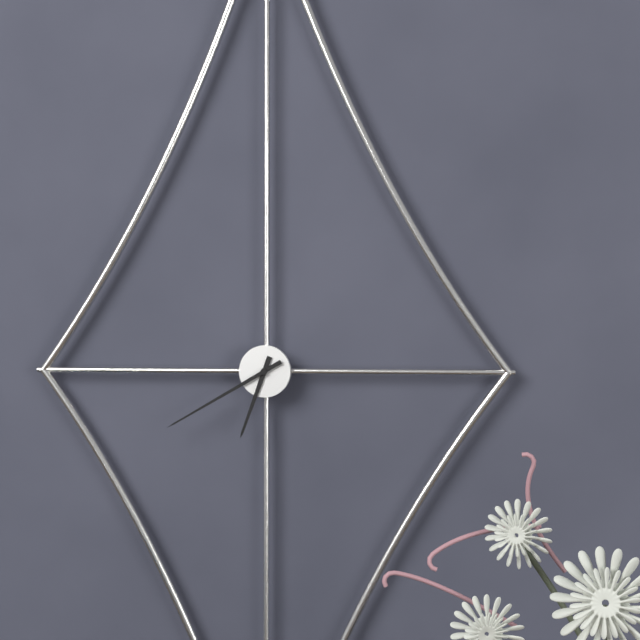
6h40
